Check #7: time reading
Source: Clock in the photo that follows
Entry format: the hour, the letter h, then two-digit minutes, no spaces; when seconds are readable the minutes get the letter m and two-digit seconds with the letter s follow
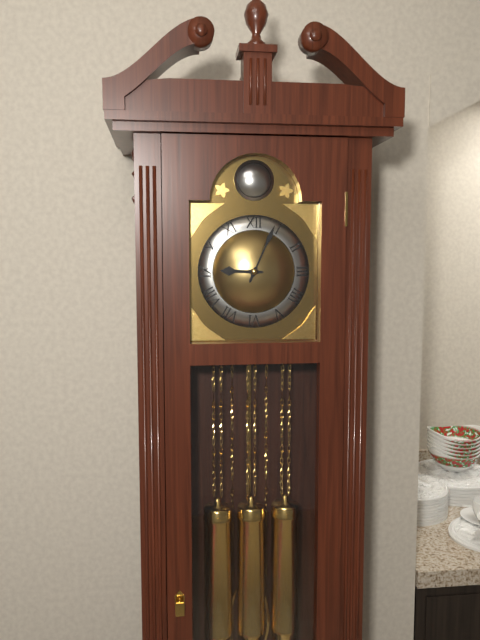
9h04
